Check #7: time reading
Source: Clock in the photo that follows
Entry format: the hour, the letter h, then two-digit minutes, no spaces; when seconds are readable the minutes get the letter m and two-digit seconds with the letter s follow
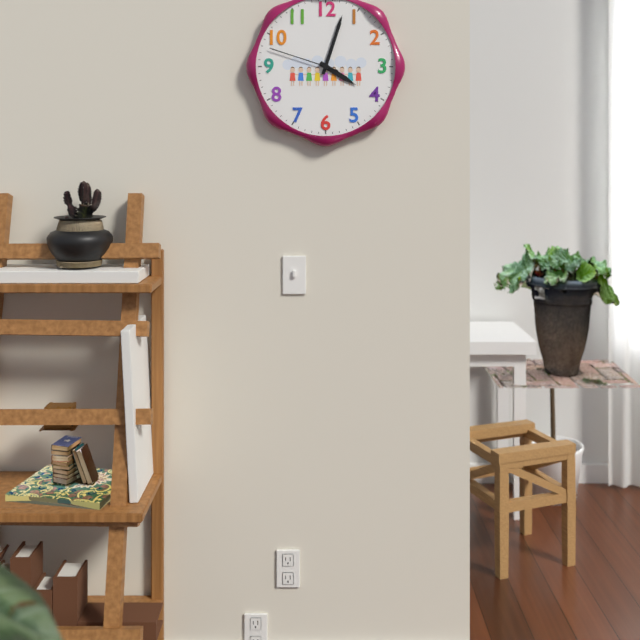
4h03m48s
